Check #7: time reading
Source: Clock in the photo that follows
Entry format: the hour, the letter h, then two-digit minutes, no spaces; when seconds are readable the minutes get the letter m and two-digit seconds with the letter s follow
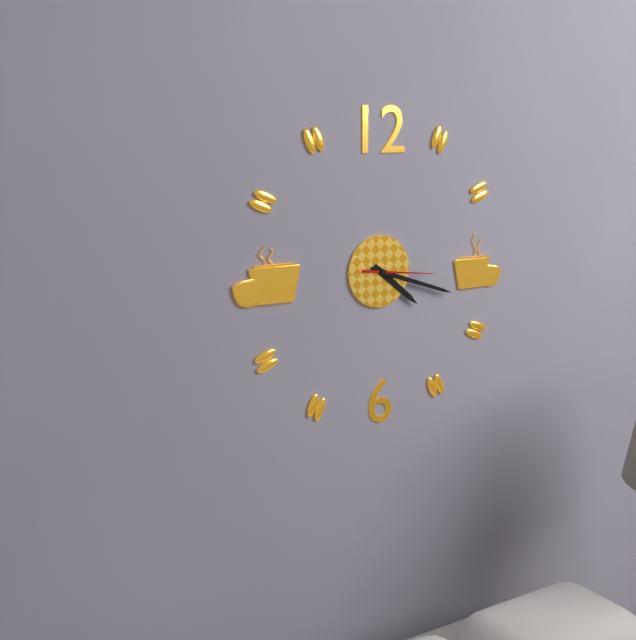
4h18m16s
